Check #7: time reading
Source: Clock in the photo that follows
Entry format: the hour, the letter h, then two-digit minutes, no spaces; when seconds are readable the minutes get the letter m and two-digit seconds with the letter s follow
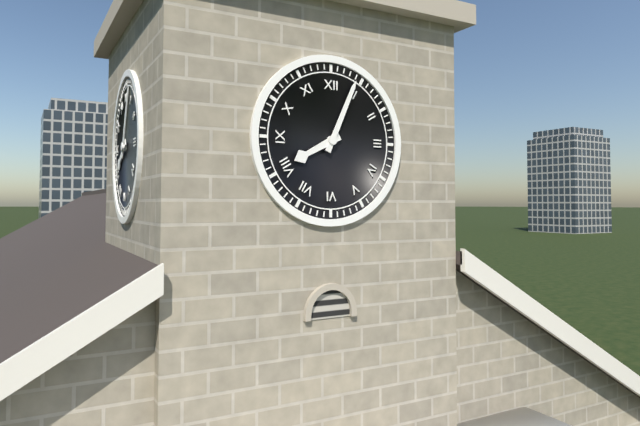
8h04
